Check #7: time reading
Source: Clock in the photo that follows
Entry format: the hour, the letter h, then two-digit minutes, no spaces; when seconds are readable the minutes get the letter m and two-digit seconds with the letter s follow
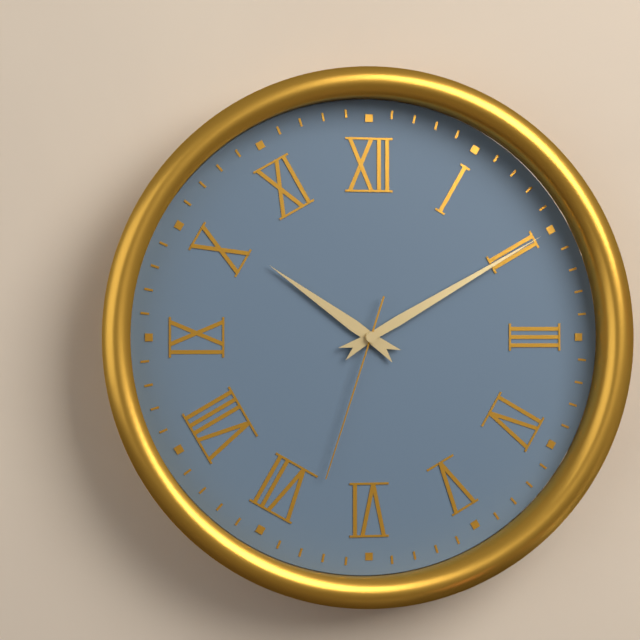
10h10m33s
